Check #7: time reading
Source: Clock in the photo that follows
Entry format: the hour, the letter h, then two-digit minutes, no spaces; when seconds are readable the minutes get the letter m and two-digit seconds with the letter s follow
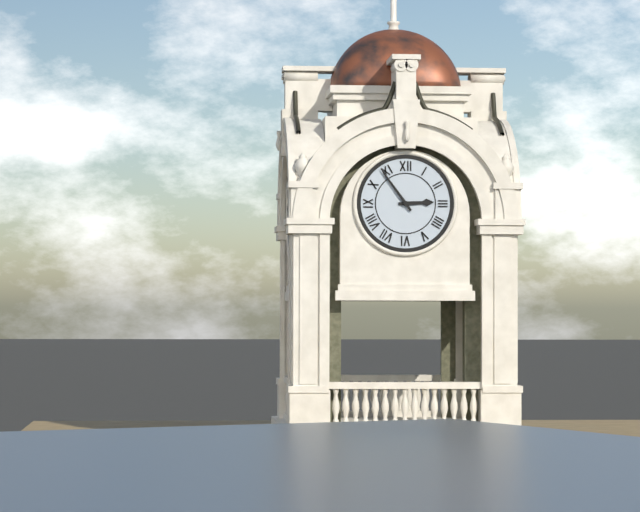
2h54
